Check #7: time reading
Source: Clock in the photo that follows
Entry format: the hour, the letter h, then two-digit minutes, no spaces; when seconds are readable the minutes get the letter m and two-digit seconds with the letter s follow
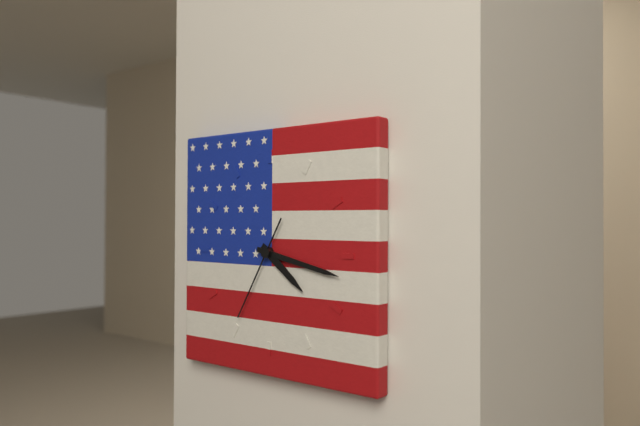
4h17m35s
